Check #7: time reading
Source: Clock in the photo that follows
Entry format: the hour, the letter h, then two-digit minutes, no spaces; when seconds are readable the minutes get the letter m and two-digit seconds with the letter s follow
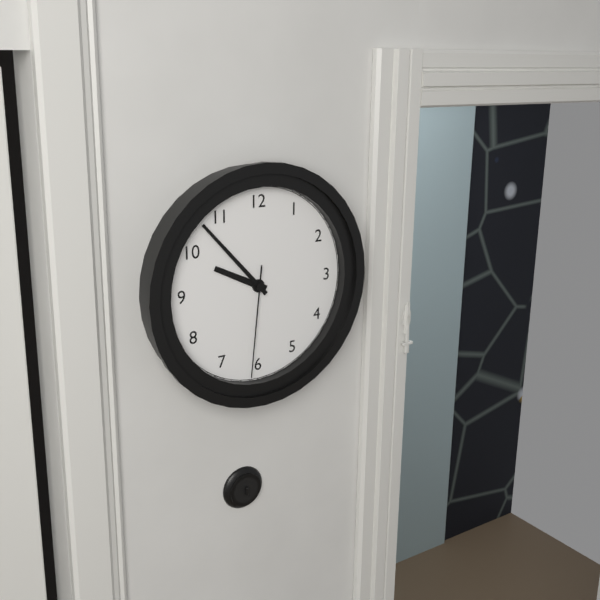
9h53m31s
